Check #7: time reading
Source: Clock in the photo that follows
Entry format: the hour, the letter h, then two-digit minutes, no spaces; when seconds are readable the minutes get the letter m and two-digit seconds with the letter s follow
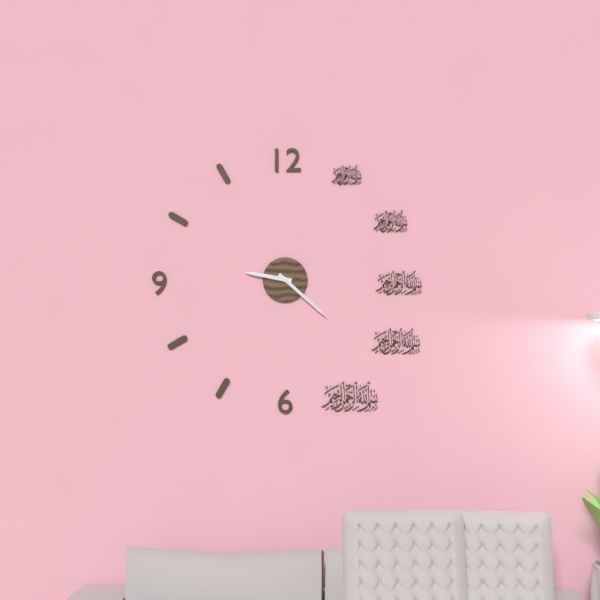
9h22
